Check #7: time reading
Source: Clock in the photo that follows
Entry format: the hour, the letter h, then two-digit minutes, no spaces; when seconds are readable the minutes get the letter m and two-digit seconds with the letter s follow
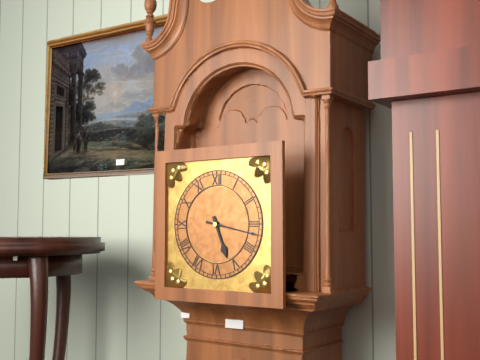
5h17
